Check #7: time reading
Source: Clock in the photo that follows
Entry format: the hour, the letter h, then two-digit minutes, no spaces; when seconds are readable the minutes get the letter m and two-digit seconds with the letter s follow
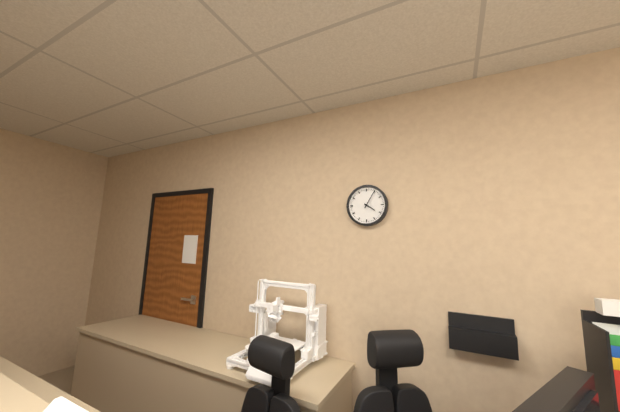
4h05
